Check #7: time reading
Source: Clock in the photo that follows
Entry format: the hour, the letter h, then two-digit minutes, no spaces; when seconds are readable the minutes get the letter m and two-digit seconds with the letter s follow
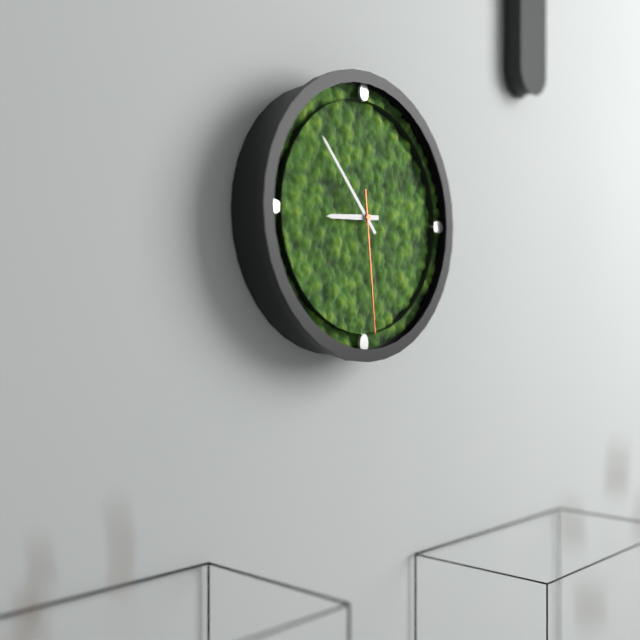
8h53m29s
